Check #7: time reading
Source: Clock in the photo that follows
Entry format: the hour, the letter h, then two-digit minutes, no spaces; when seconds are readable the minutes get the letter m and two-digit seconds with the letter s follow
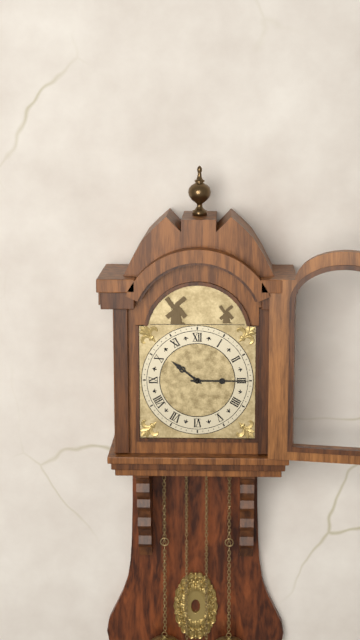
10h15
